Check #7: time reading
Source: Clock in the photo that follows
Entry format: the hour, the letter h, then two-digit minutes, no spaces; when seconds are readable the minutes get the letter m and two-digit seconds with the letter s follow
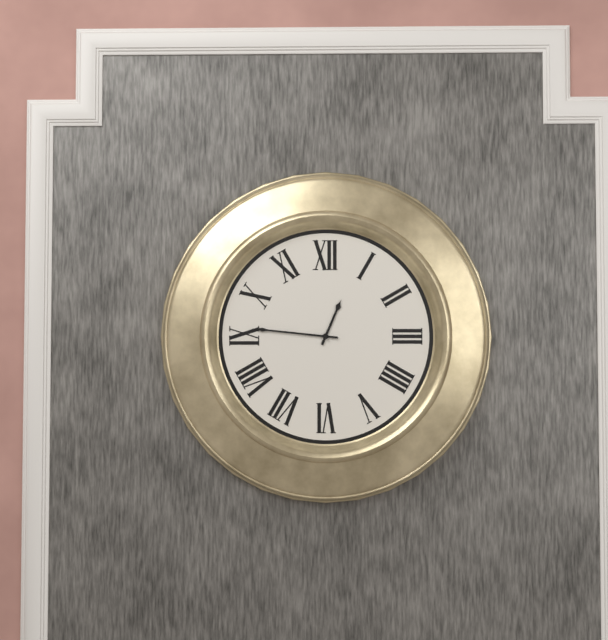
12h46
